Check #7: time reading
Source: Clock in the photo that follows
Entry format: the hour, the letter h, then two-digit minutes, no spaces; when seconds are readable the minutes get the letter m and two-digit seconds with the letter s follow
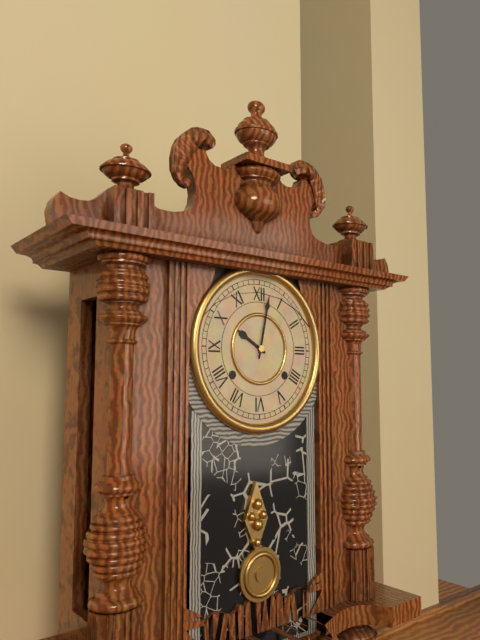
10h02
